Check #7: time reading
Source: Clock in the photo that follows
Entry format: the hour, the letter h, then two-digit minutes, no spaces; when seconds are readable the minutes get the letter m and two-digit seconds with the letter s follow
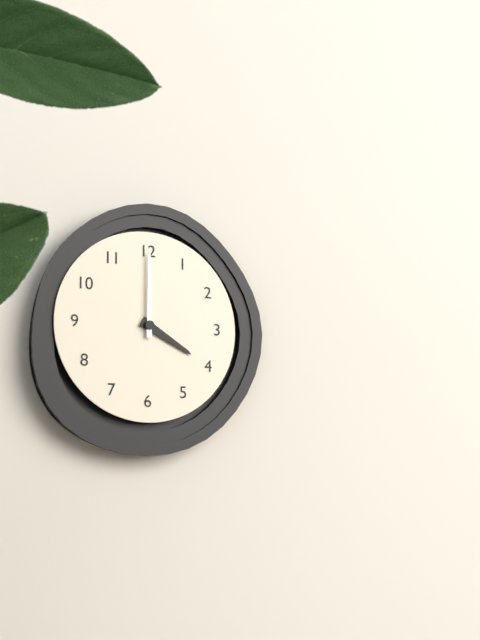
4h00
